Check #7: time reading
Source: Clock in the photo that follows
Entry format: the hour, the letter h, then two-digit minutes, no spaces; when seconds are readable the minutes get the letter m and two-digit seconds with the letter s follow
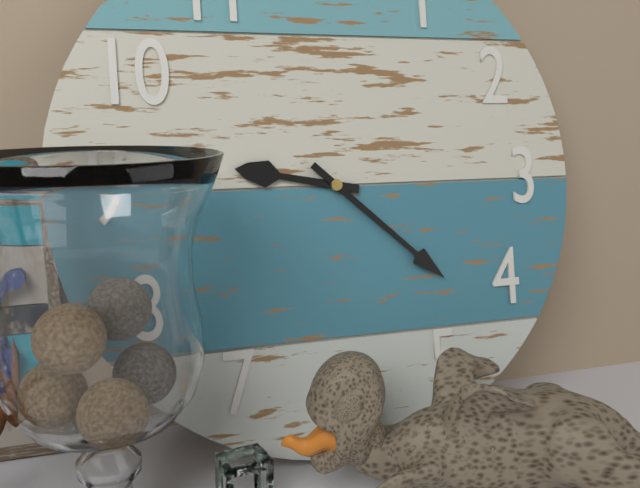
9h22
